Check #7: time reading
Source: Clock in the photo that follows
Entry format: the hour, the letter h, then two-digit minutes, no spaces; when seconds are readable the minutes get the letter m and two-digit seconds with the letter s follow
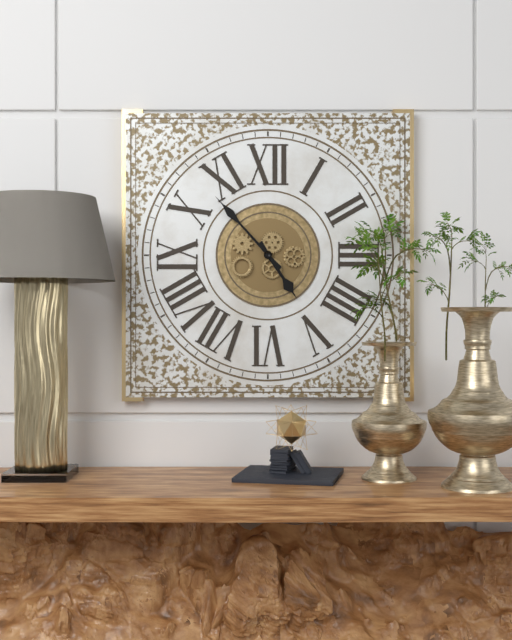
4h53
